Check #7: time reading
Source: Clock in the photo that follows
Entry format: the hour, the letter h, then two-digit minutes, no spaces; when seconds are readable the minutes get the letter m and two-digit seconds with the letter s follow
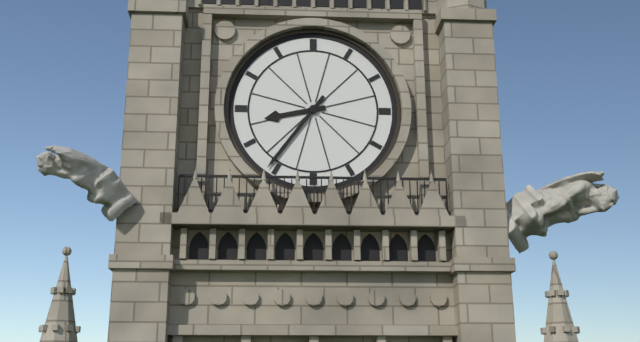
8h36
